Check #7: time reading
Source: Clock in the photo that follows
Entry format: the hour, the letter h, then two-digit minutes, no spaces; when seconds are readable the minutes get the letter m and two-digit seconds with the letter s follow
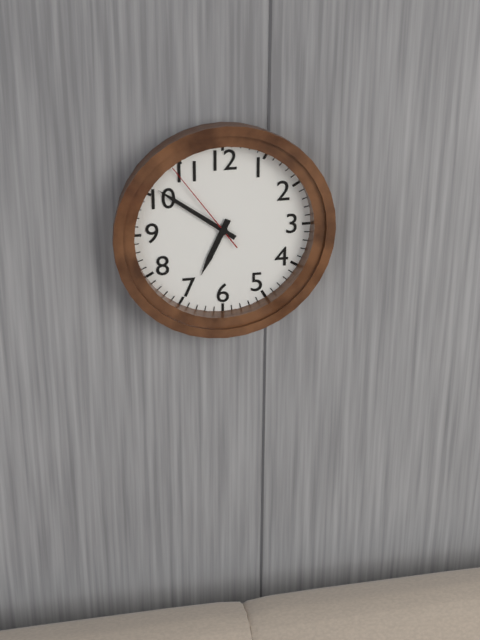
6h51m54s
